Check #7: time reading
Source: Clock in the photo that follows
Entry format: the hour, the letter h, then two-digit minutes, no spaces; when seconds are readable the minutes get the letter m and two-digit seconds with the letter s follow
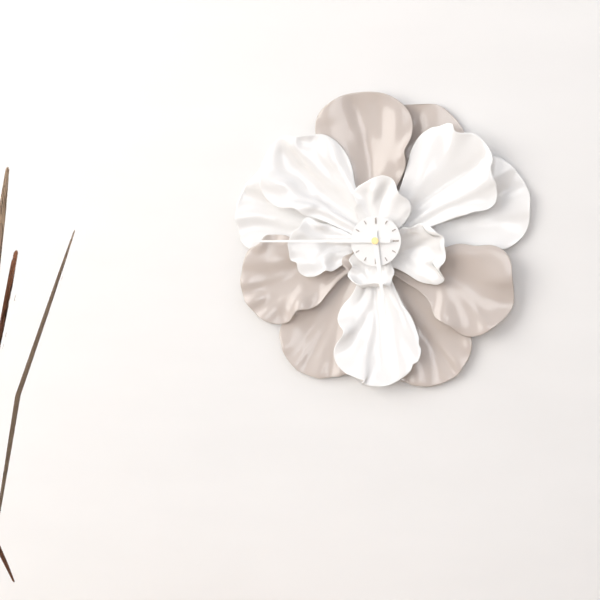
5h45
